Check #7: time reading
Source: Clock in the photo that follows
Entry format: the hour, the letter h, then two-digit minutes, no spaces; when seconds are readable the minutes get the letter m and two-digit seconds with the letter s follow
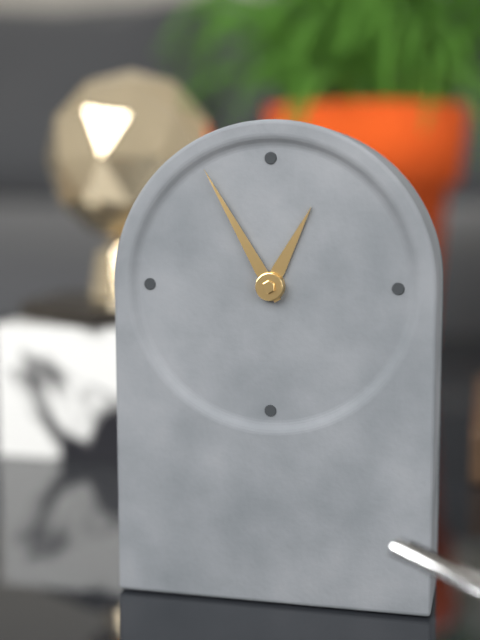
12h55
